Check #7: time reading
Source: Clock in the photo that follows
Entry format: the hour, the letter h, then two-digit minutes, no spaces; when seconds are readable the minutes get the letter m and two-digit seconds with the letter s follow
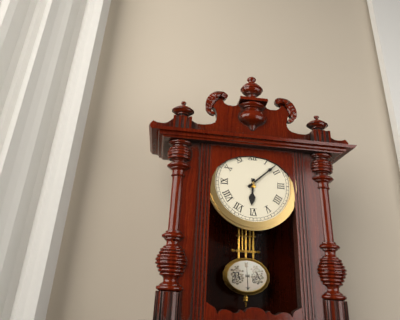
6h08
